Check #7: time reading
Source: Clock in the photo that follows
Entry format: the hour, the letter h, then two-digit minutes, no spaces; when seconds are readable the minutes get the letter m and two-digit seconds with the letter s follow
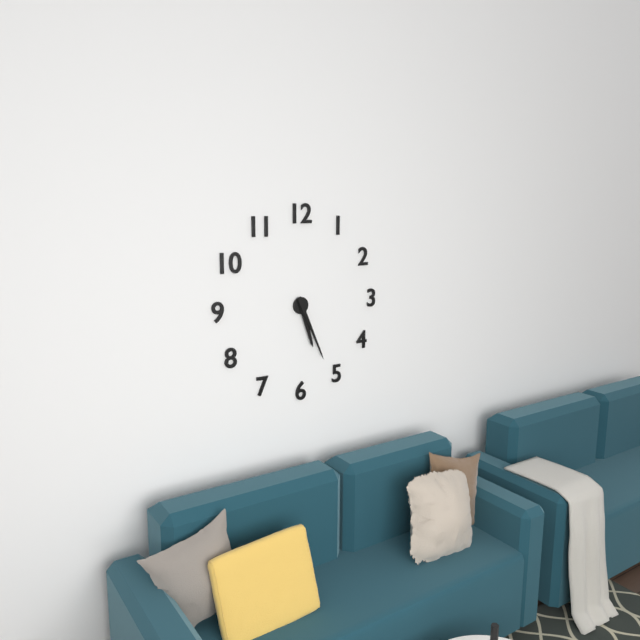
5h26
